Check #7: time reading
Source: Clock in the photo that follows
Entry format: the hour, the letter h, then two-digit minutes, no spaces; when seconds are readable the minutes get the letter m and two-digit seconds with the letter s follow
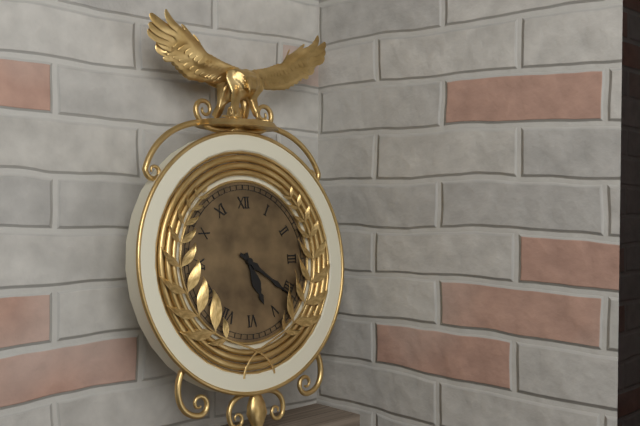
5h21
